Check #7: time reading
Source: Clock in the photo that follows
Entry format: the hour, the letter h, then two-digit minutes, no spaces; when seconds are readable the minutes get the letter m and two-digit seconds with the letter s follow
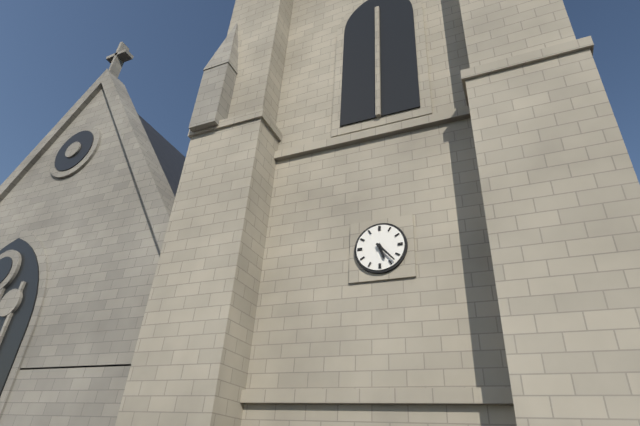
5h23
